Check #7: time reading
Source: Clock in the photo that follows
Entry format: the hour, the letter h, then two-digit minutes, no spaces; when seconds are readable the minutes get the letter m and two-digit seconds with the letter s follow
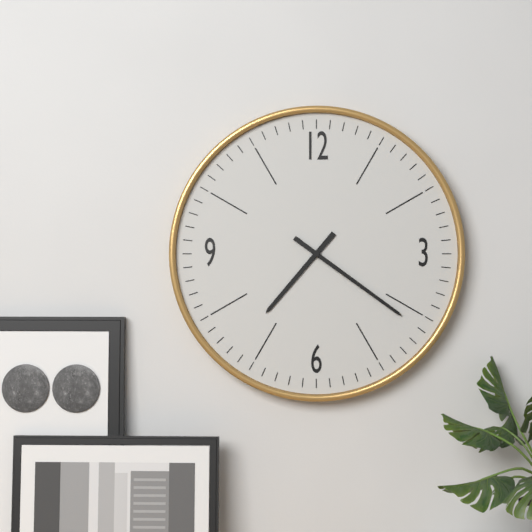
7h21
